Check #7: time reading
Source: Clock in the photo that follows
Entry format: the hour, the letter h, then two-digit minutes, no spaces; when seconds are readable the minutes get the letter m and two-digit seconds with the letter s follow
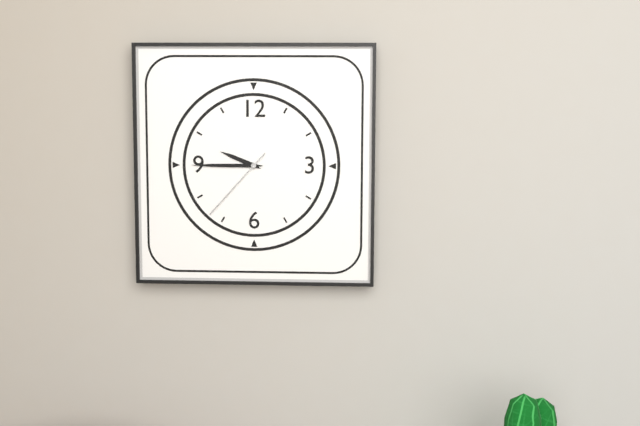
9h45m37s
